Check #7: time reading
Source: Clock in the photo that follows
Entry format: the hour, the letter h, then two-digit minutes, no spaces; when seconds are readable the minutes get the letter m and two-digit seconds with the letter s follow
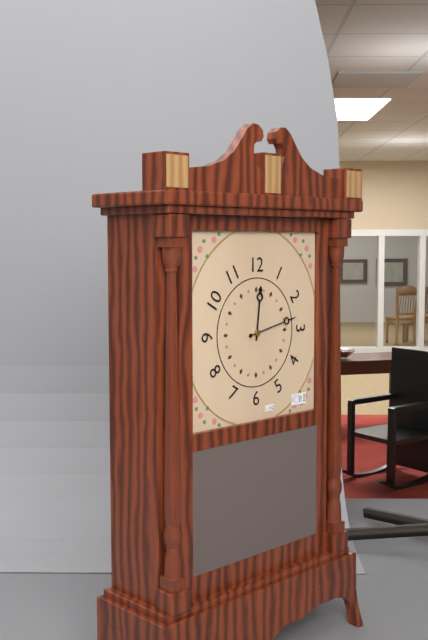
12h13
